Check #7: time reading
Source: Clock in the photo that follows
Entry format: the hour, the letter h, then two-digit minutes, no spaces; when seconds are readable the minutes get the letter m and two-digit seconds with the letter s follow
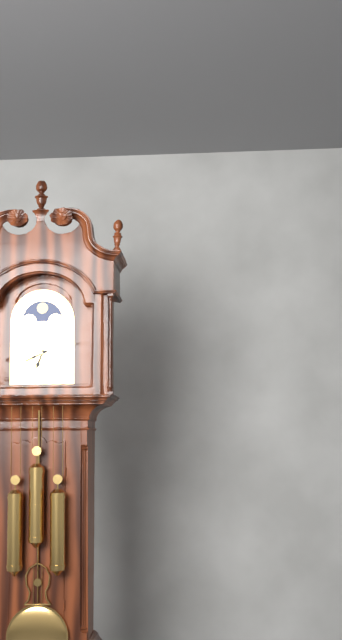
6h41
